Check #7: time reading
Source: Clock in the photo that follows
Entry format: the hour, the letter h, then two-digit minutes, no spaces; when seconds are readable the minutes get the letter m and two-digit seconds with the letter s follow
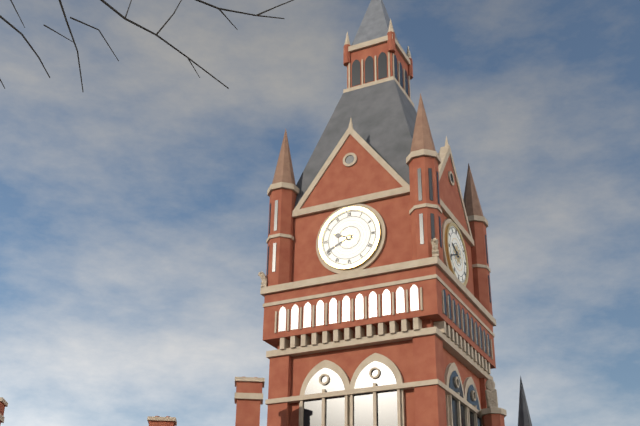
9h41
